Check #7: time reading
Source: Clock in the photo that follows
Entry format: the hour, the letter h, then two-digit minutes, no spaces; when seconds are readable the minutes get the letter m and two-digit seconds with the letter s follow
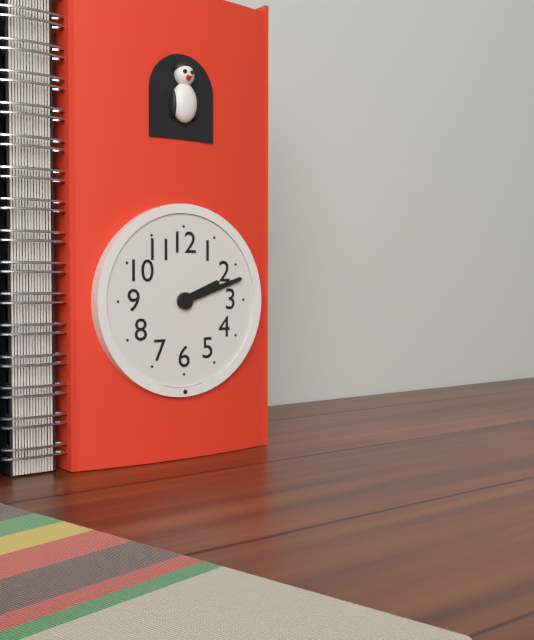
2h12
